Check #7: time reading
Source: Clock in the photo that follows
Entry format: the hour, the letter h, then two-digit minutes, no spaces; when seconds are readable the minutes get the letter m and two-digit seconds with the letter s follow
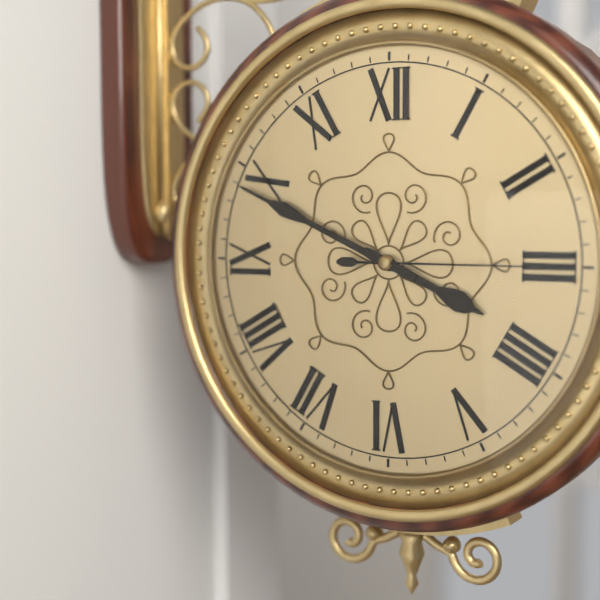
3h49m15s
